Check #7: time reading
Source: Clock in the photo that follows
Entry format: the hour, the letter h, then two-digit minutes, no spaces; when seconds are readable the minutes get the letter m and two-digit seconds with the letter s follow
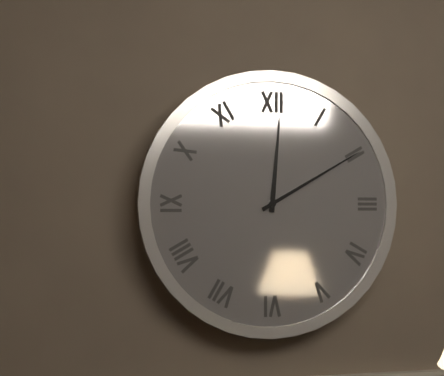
12h10
